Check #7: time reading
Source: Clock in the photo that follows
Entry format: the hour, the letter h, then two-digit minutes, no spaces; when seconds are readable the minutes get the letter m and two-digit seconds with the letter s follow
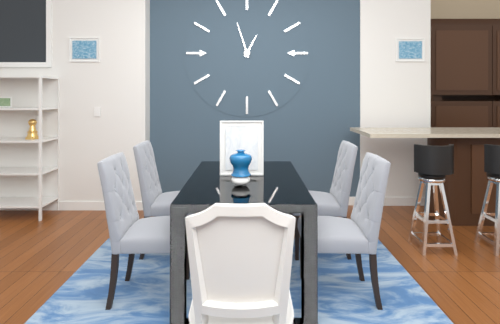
12h57
